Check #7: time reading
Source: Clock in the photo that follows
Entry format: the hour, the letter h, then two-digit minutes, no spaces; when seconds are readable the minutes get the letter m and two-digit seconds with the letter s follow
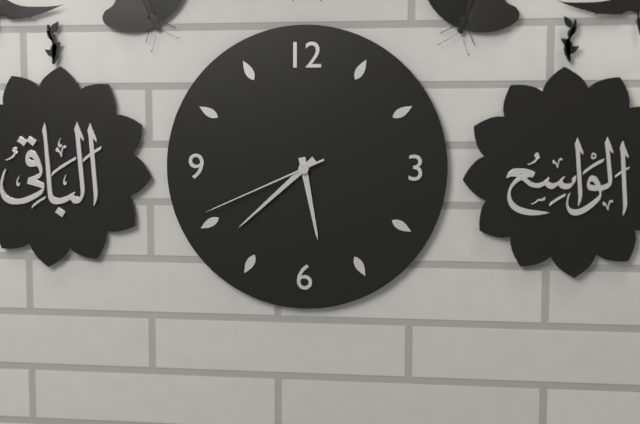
5h38m41s
